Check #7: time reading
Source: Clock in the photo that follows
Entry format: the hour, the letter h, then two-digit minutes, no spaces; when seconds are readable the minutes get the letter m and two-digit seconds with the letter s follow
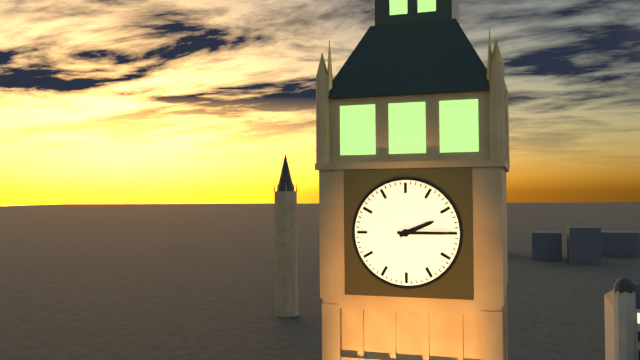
2h15
